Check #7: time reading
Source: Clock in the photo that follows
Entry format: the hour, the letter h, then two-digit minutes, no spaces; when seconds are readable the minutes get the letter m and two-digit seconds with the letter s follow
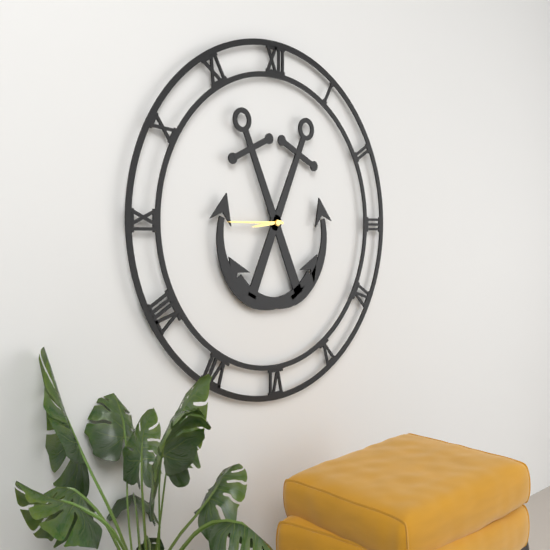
8h45
